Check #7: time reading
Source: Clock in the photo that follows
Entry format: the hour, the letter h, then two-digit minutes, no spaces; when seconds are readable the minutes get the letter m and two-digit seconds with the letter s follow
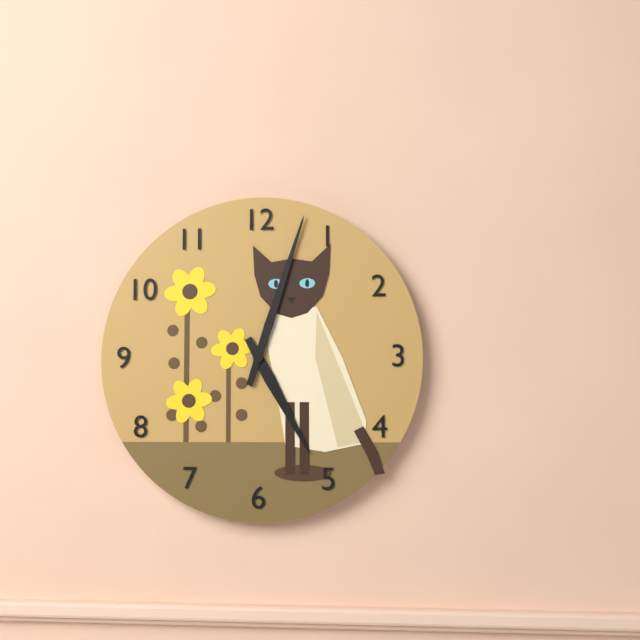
5h03
